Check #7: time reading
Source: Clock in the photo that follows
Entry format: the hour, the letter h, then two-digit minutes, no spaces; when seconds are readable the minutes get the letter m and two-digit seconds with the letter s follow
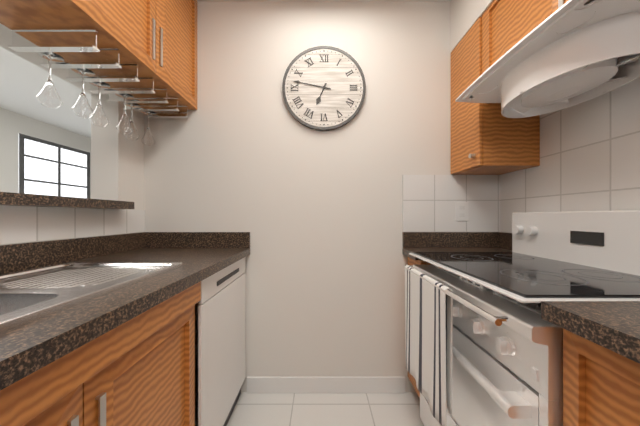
6h47
